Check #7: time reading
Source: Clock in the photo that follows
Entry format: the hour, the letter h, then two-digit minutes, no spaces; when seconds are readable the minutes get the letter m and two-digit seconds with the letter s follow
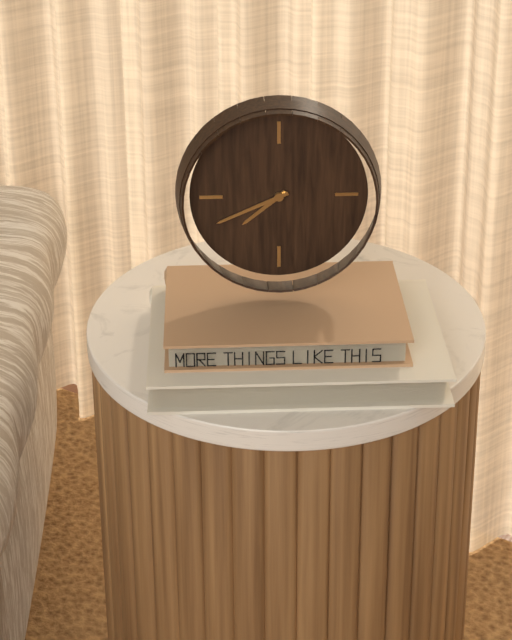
7h41
